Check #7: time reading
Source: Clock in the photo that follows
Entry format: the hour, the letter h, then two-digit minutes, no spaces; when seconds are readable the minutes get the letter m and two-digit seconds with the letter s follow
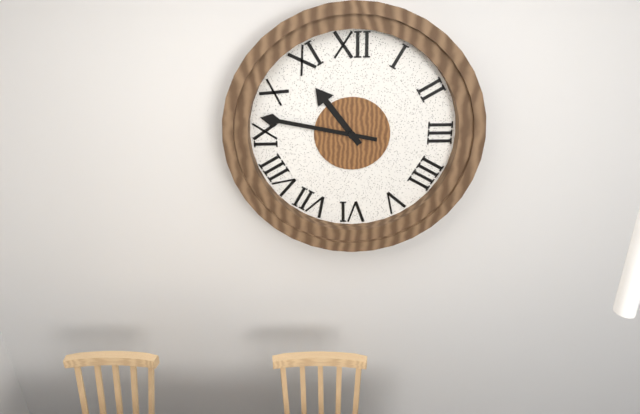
10h47
